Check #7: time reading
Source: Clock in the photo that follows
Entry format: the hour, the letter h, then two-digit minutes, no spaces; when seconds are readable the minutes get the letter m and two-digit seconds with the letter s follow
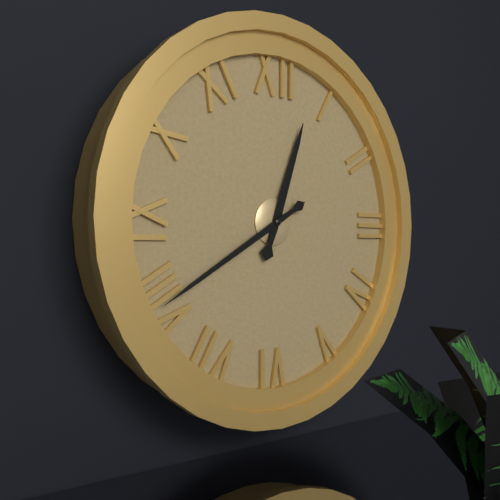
12h40
